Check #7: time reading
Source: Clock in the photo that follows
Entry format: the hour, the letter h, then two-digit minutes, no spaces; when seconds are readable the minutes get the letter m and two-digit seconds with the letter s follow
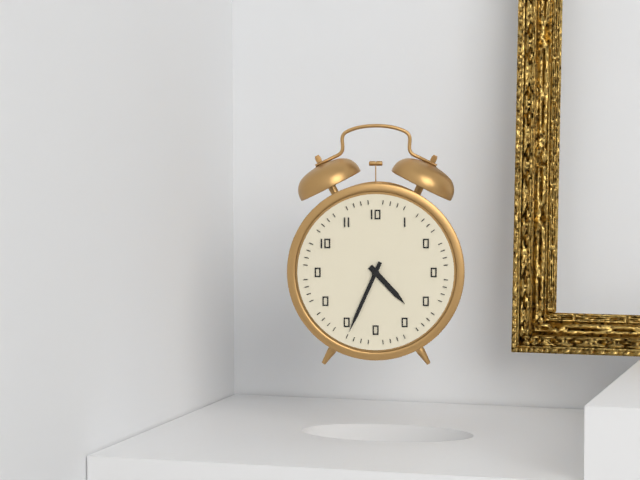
4h34
